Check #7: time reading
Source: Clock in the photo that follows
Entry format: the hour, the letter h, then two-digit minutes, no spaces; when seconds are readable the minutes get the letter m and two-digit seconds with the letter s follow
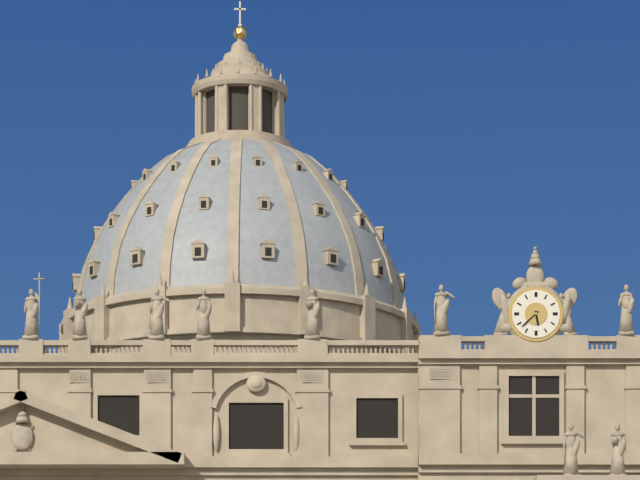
5h38
